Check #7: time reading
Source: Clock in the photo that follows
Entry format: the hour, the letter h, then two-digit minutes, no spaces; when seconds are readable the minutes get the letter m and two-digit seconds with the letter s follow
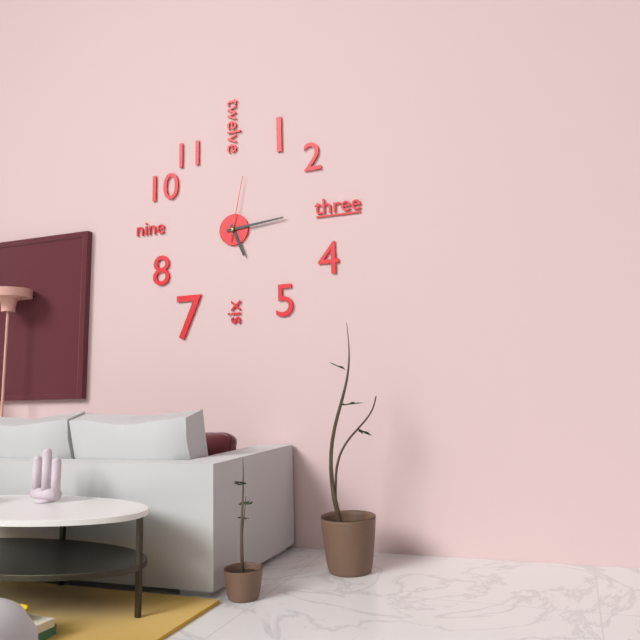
5h14m02s
